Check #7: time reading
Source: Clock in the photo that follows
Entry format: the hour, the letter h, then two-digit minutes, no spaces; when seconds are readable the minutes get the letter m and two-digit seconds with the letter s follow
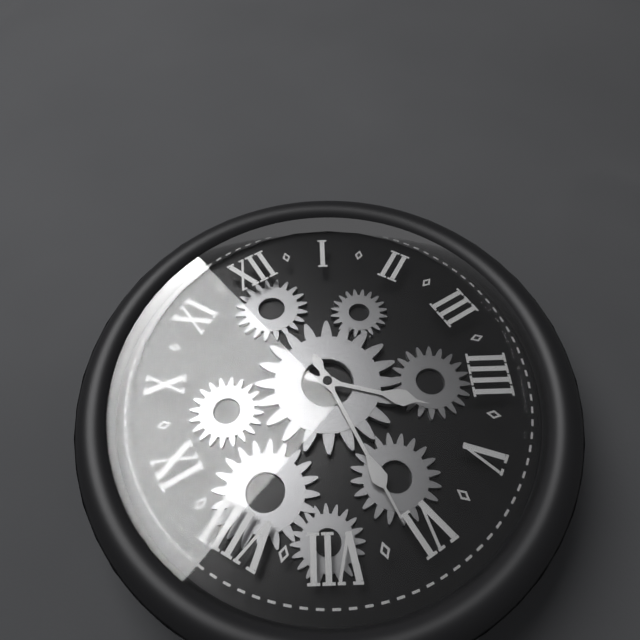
4h31
